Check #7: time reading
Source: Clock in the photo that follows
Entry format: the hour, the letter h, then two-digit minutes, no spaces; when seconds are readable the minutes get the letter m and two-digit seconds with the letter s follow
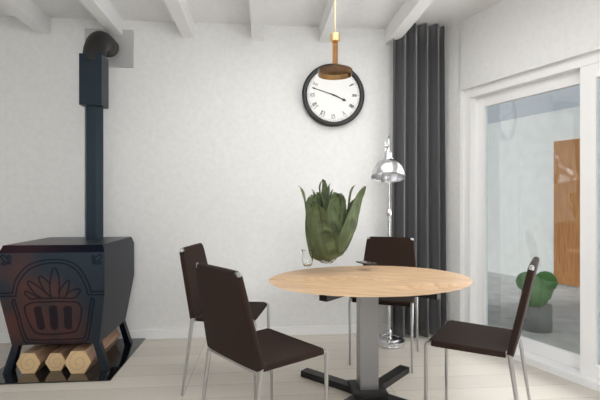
3h48
